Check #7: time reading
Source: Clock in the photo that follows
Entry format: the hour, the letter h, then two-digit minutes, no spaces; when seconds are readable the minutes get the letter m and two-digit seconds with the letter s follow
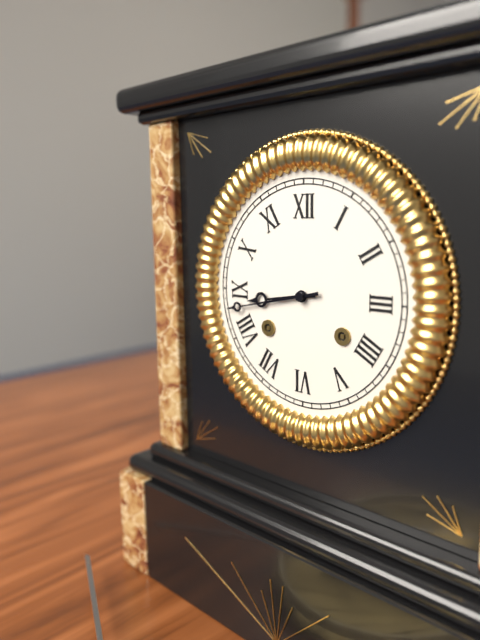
8h43
